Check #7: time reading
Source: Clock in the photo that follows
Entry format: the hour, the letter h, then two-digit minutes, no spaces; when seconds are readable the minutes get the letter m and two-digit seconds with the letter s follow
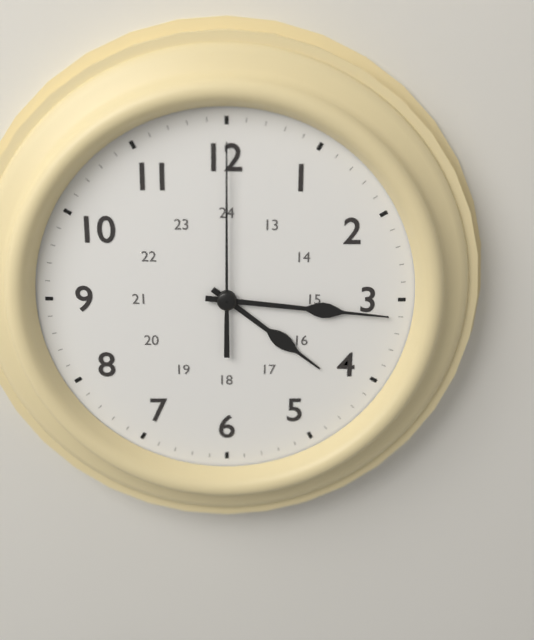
4h16m00s
